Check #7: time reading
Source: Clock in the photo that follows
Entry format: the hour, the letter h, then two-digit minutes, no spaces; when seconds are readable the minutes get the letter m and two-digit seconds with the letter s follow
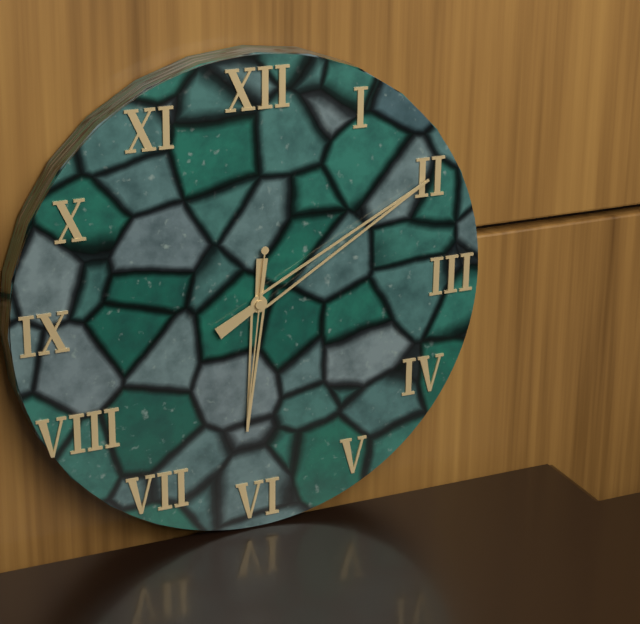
6h10m31s
